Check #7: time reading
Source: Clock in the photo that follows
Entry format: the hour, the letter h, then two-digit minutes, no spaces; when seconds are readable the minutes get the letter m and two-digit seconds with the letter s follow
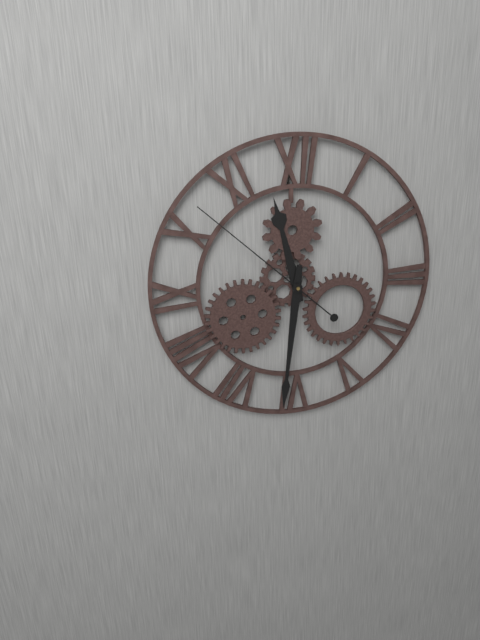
11h31m52s
